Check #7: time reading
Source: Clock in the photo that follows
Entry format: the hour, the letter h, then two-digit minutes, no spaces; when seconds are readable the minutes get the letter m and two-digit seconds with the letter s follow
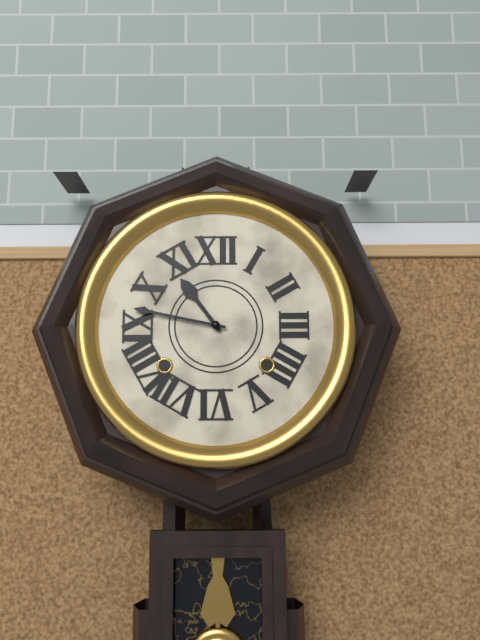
10h47
